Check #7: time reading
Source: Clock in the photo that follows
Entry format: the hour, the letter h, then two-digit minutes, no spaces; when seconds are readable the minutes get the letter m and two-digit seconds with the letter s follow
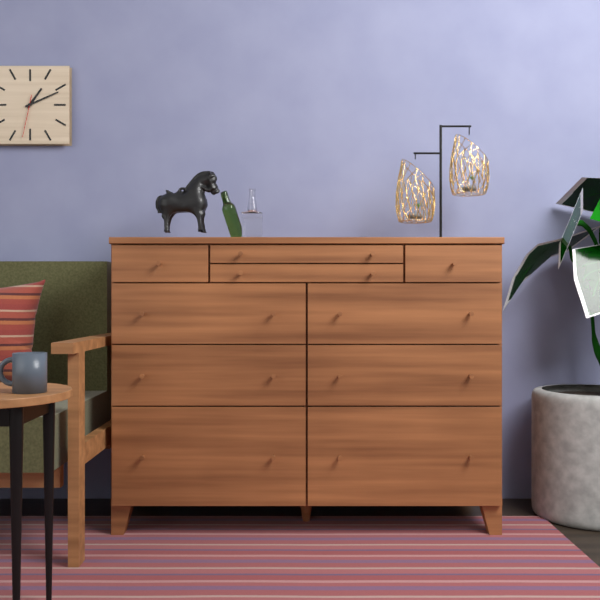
1h11
